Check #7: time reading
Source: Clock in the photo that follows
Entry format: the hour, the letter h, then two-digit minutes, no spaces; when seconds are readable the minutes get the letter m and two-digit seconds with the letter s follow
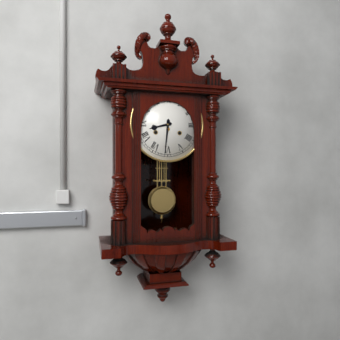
8h31
